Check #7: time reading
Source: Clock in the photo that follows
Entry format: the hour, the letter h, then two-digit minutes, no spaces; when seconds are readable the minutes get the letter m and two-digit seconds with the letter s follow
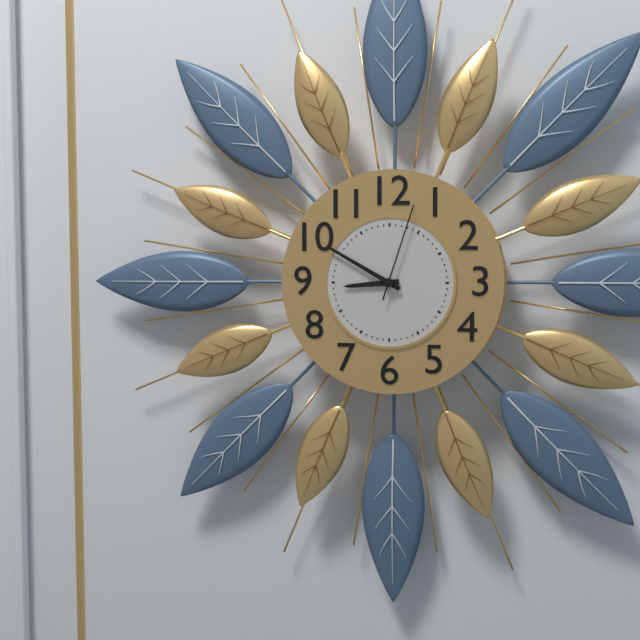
8h50m03s
